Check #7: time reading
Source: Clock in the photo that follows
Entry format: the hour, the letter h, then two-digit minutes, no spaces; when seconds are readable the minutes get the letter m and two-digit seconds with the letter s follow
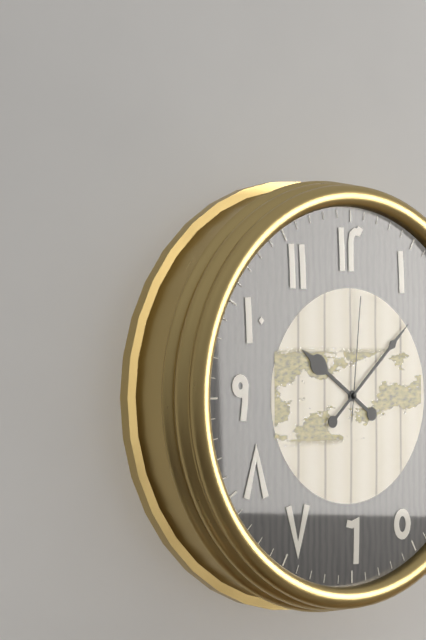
10h08m01s
